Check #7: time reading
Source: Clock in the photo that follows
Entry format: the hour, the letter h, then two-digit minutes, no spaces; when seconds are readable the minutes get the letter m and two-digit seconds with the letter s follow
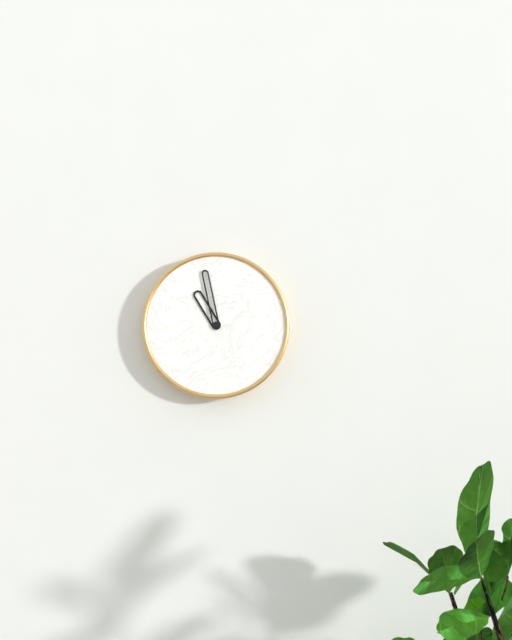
10h58
